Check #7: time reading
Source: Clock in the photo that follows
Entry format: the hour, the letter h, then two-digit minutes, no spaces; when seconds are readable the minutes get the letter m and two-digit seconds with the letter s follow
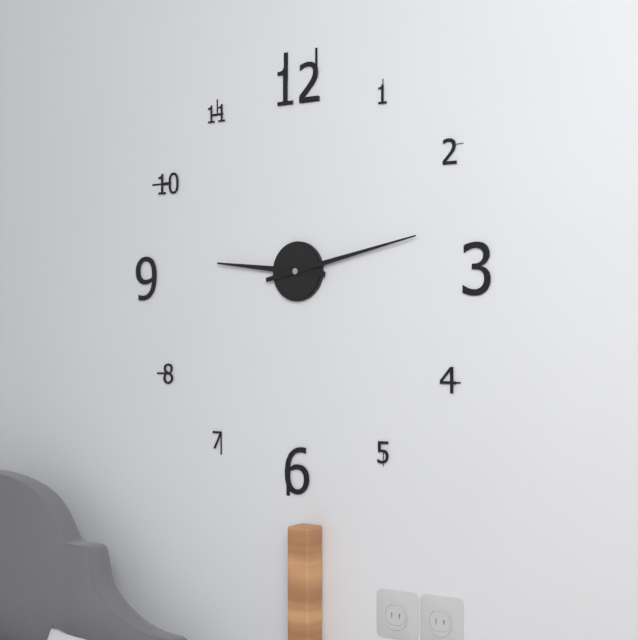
9h13
